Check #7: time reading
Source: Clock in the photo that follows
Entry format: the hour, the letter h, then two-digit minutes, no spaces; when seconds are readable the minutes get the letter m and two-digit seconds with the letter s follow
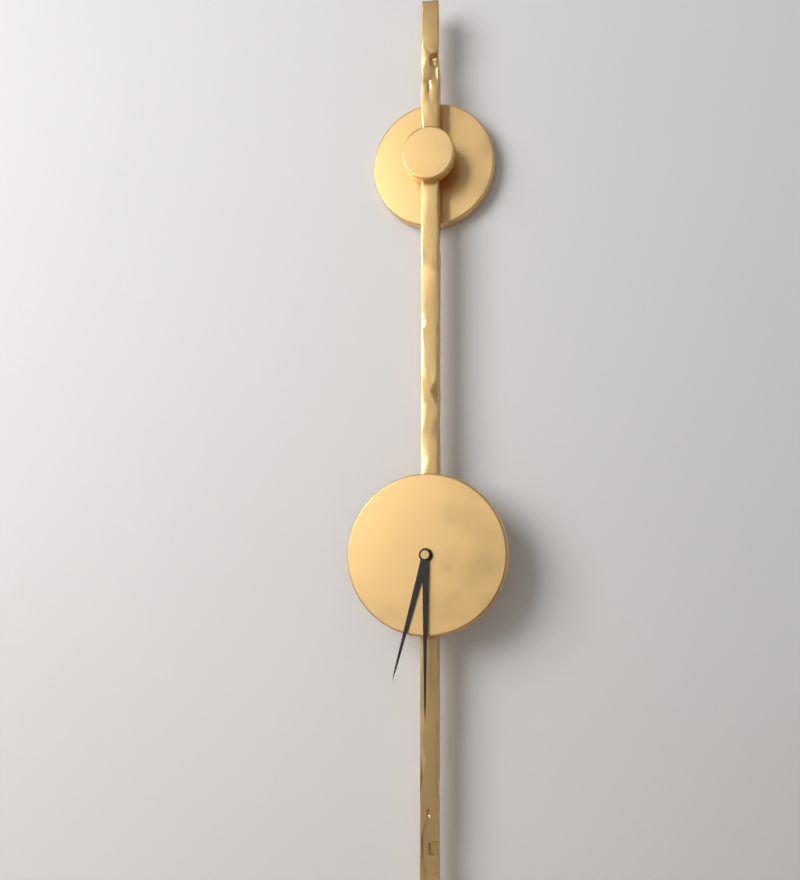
6h30
